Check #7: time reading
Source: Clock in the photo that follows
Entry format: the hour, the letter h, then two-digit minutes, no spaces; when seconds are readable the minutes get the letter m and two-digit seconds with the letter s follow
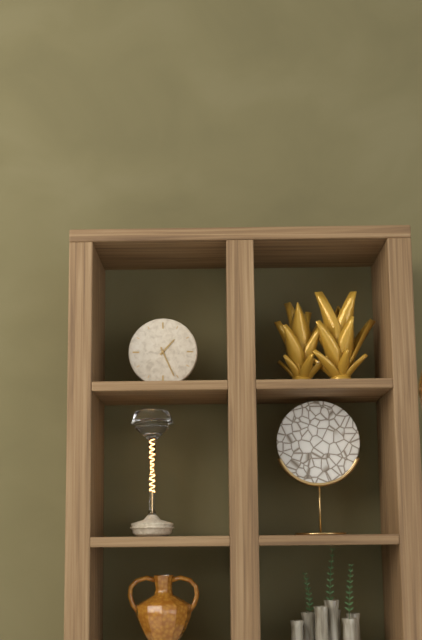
1h26
